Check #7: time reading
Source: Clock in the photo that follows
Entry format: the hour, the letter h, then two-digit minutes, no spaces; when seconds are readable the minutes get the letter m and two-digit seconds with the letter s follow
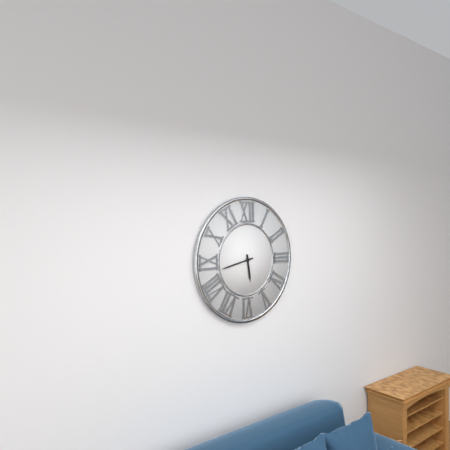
5h43
